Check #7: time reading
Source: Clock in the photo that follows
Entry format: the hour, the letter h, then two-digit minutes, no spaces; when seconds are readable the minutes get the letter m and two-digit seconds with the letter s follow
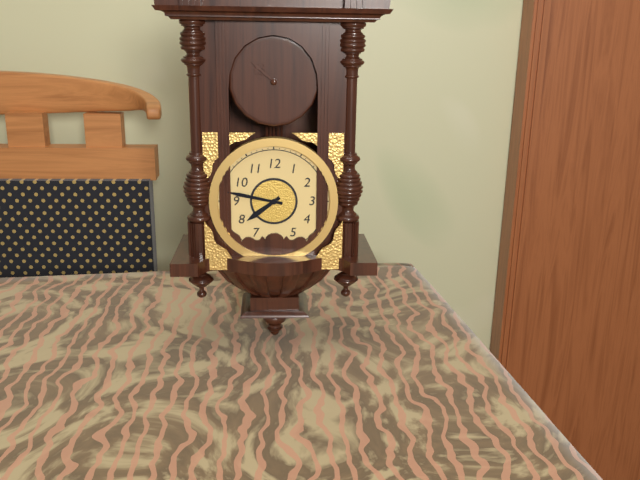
7h47
